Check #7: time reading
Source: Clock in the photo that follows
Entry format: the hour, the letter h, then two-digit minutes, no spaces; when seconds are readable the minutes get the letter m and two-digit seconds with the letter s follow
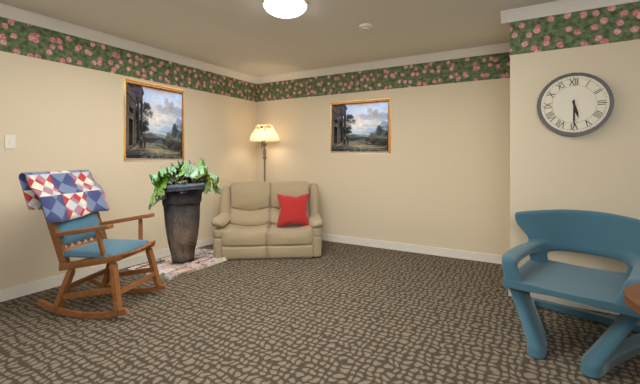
5h30
